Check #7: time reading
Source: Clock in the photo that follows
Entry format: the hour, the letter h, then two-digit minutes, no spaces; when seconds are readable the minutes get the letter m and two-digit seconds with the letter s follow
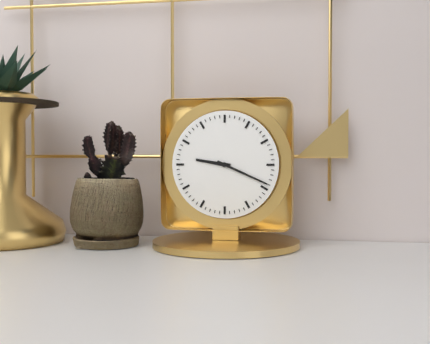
9h19
